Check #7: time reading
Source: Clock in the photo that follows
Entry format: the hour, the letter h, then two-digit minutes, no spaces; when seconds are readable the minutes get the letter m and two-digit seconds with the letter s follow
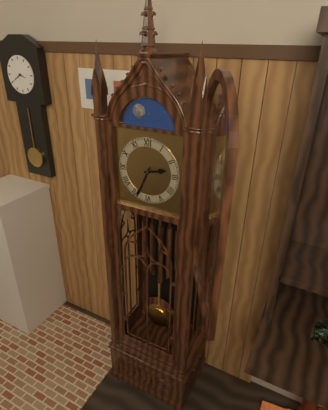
2h34
